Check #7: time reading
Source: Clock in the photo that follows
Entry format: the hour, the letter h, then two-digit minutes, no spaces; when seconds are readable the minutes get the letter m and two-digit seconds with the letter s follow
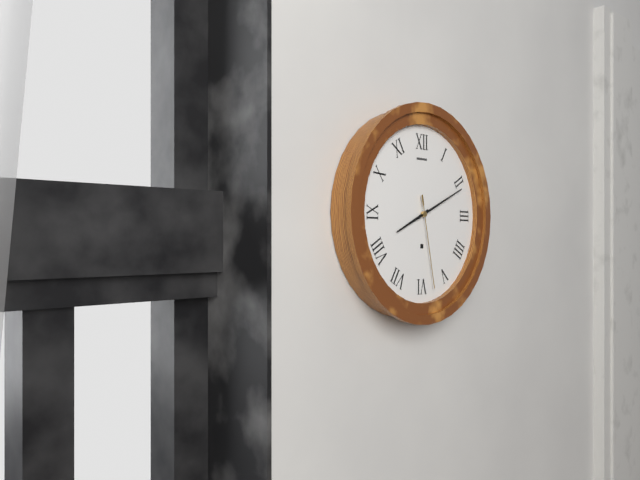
8h11m28s
